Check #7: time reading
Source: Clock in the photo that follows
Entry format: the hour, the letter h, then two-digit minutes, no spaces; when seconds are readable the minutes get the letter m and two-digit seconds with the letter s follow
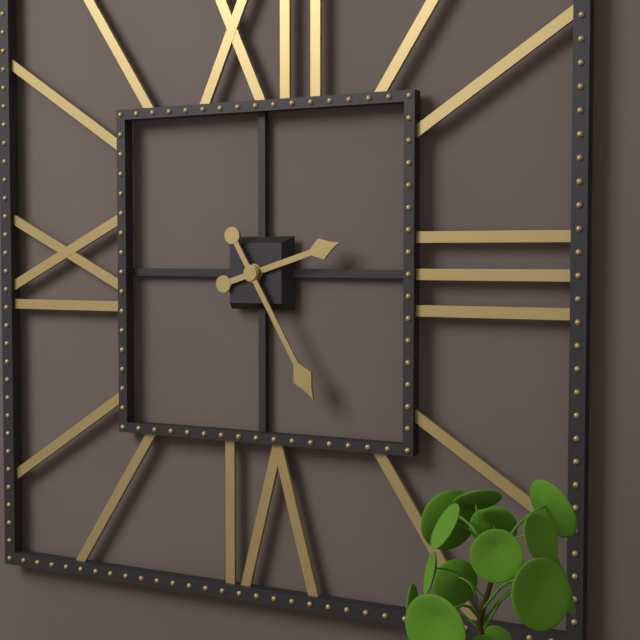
2h25
